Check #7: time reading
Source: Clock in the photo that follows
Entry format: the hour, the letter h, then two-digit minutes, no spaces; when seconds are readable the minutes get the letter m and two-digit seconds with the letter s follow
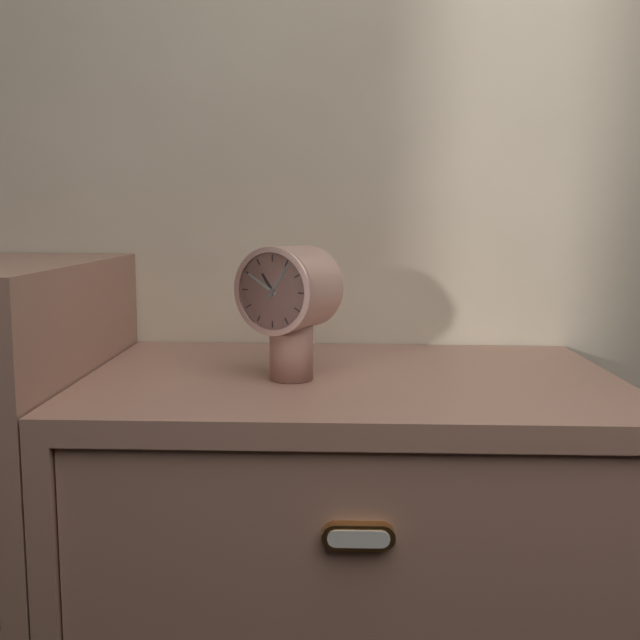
10h50
